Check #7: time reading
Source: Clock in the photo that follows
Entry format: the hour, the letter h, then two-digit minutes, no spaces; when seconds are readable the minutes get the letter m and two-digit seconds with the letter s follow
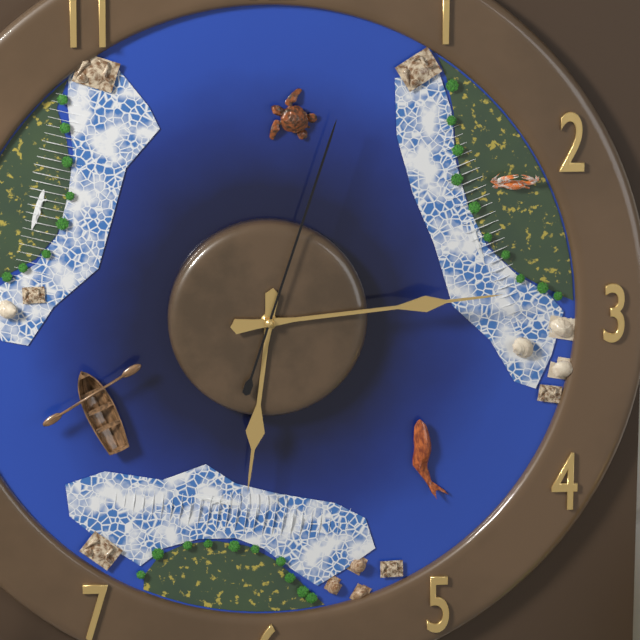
6h14m03s
